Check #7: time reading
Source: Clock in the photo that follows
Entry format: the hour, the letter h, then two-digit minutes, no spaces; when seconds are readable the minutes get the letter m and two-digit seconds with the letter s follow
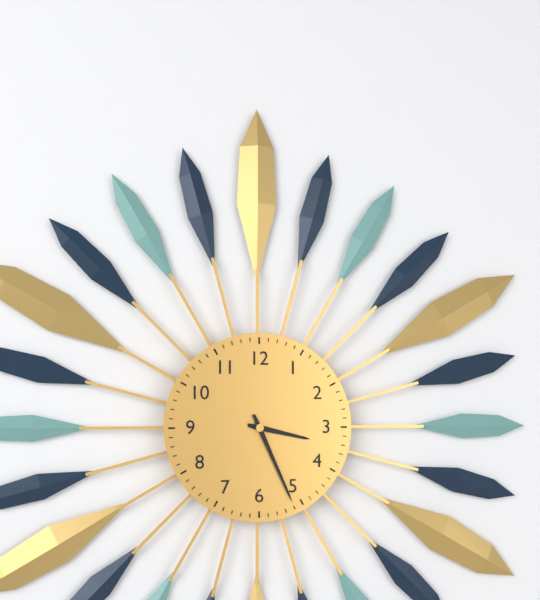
3h26
